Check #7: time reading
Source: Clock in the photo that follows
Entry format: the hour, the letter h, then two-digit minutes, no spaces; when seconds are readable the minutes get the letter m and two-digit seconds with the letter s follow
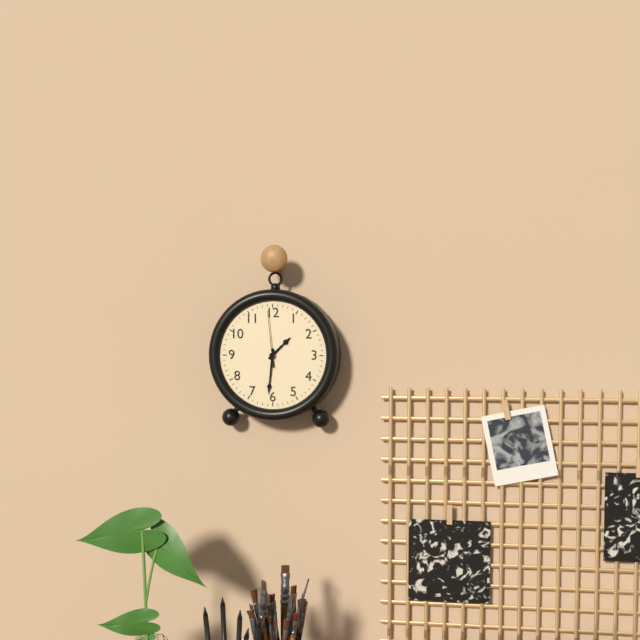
1h31m59s
